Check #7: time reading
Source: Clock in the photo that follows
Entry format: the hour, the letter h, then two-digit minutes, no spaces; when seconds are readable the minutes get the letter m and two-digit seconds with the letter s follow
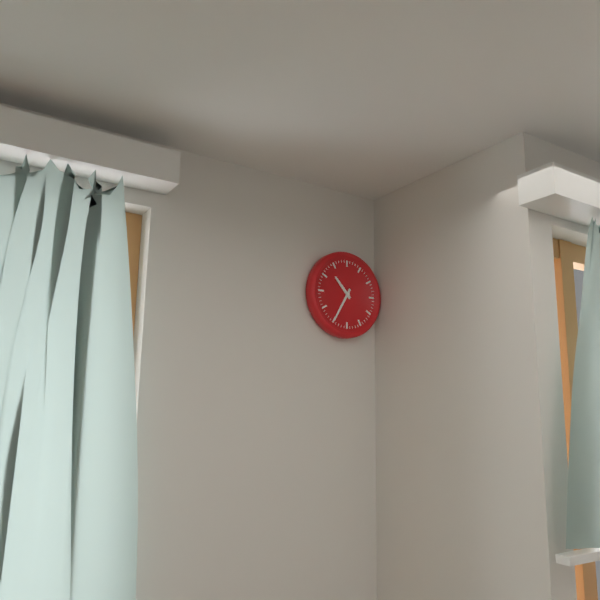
10h35
